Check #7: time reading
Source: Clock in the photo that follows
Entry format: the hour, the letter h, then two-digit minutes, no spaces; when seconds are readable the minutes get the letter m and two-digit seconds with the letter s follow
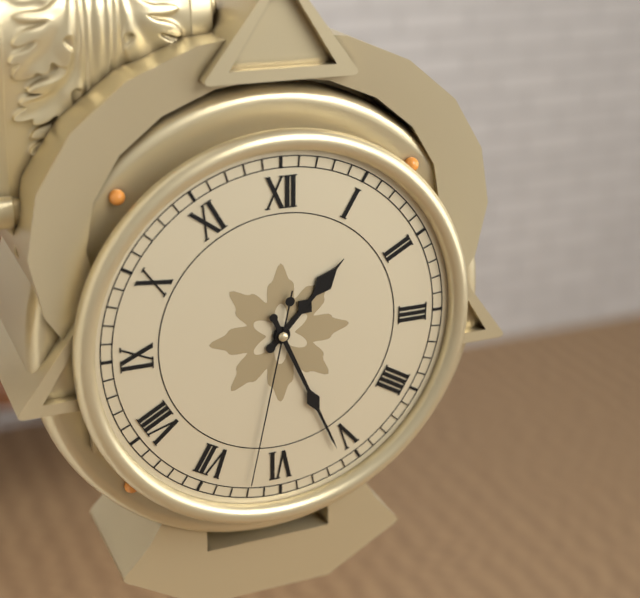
1h26m32s
